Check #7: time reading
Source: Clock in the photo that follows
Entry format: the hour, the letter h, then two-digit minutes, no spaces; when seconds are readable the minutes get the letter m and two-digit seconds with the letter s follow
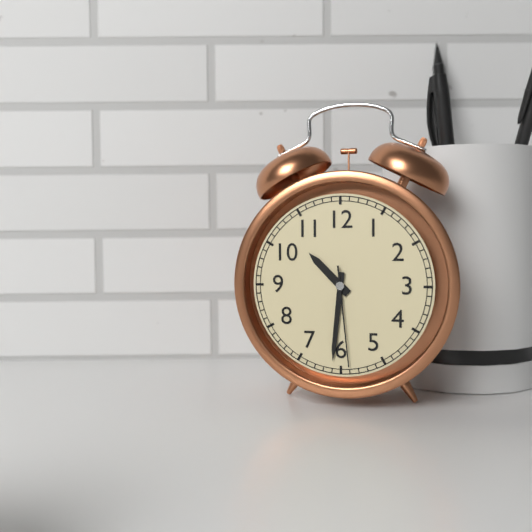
10h31m29s
